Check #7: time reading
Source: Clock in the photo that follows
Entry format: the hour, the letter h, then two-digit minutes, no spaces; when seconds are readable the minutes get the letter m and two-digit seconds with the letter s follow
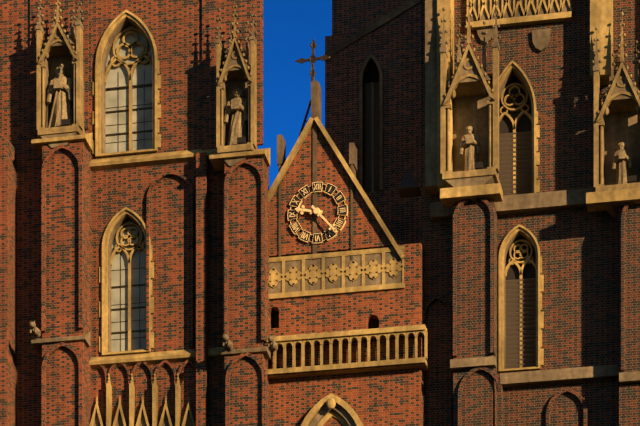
9h23
